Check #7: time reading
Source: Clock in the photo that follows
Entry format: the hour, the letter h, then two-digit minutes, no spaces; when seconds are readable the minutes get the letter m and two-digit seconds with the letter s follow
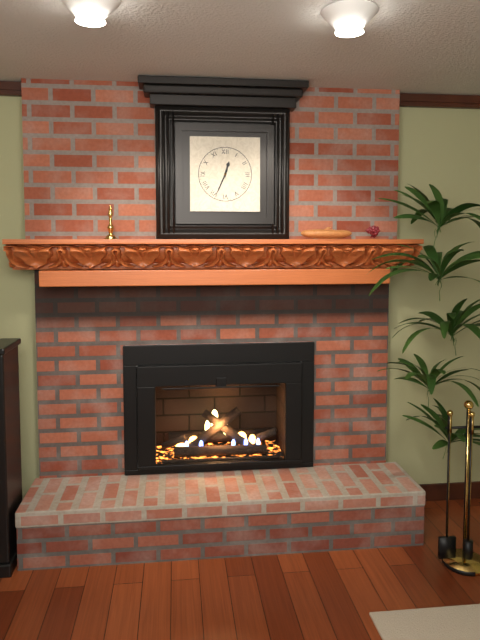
12h34
